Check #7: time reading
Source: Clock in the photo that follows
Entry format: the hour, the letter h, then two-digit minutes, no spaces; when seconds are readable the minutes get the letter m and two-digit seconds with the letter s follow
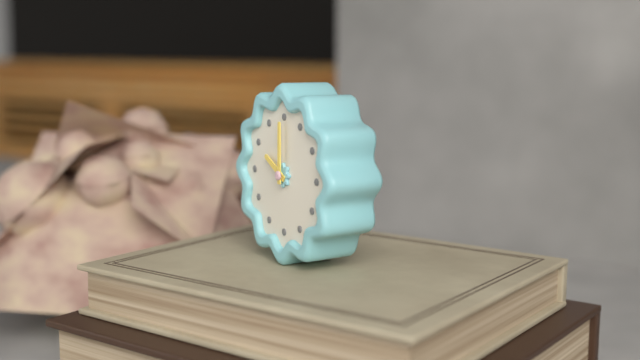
10h00
